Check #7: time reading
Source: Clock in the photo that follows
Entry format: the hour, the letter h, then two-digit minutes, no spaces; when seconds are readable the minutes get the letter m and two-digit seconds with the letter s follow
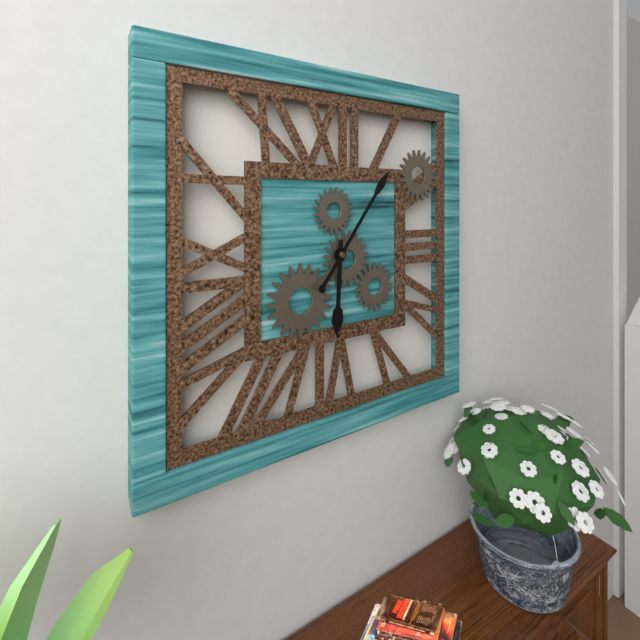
6h06
